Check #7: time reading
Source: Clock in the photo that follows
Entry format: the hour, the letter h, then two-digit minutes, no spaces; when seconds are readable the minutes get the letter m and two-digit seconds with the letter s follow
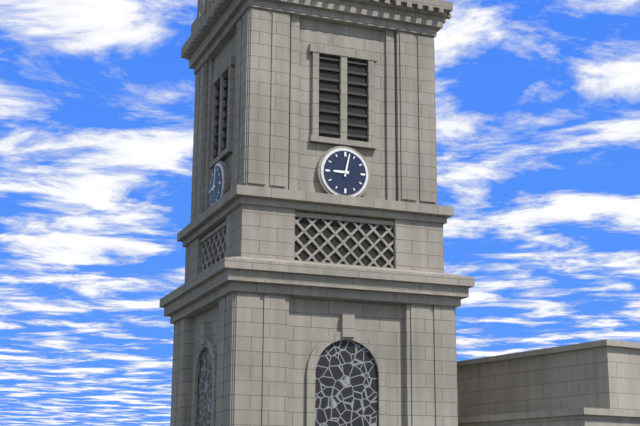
9h02
